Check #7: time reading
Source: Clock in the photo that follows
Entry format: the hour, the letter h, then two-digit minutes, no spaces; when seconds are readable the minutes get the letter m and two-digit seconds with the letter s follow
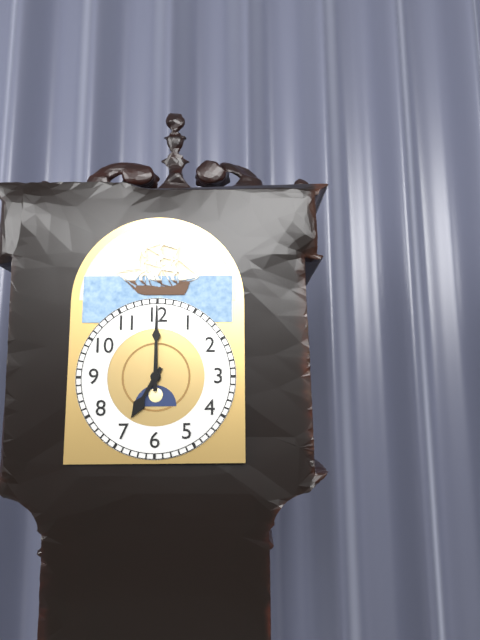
7h00
